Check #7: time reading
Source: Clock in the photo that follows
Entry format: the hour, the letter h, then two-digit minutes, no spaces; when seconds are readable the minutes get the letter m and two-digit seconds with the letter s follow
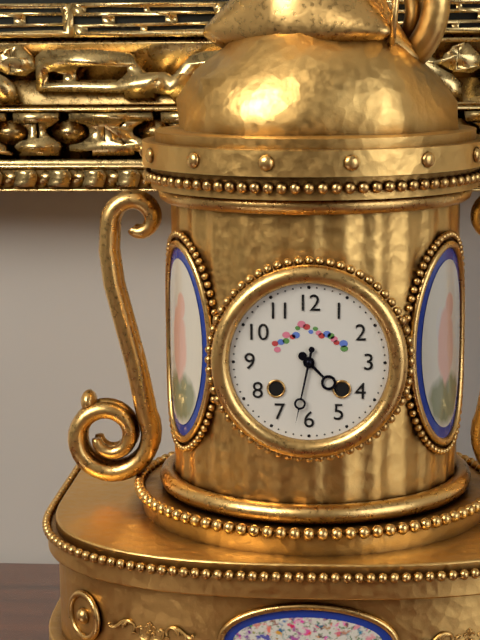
4h32
